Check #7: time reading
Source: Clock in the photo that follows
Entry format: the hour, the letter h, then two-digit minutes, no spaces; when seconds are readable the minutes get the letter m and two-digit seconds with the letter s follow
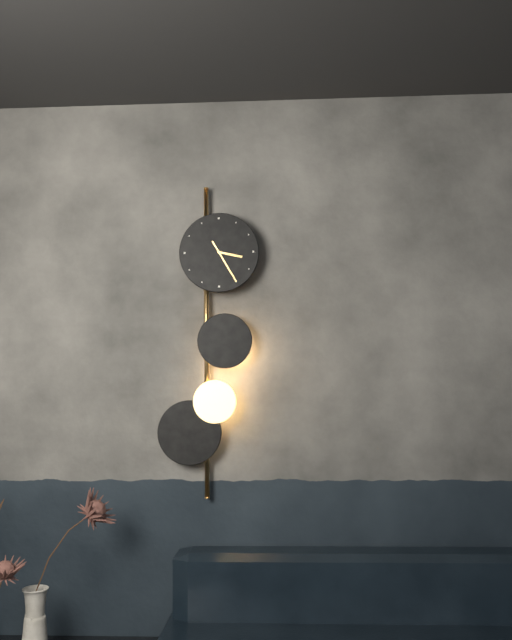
3h25
